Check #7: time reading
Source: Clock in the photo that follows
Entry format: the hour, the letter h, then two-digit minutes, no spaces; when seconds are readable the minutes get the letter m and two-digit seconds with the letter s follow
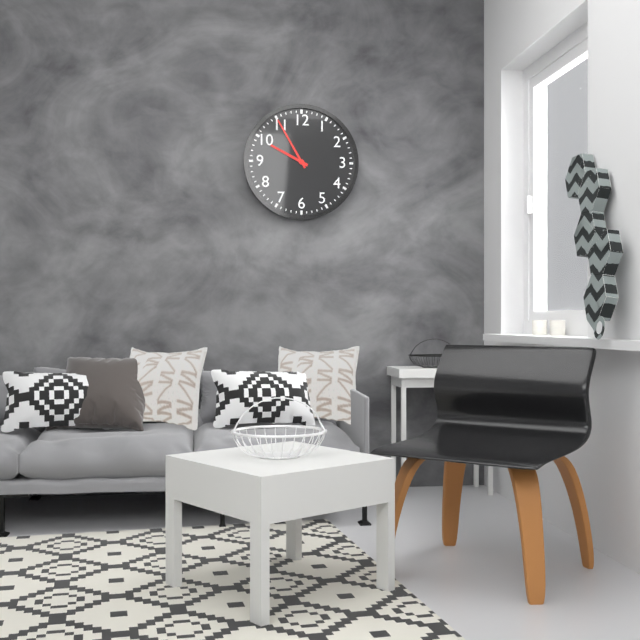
9h55
